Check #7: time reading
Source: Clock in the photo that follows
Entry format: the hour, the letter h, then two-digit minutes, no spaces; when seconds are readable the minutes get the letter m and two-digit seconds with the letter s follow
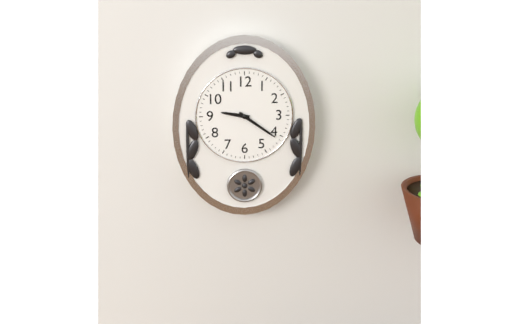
9h21
